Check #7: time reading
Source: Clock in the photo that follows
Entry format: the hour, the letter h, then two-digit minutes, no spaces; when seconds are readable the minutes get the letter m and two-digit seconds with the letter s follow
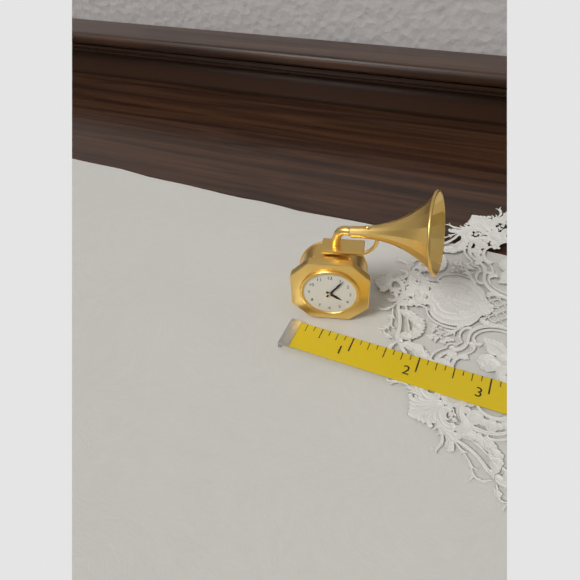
4h06
